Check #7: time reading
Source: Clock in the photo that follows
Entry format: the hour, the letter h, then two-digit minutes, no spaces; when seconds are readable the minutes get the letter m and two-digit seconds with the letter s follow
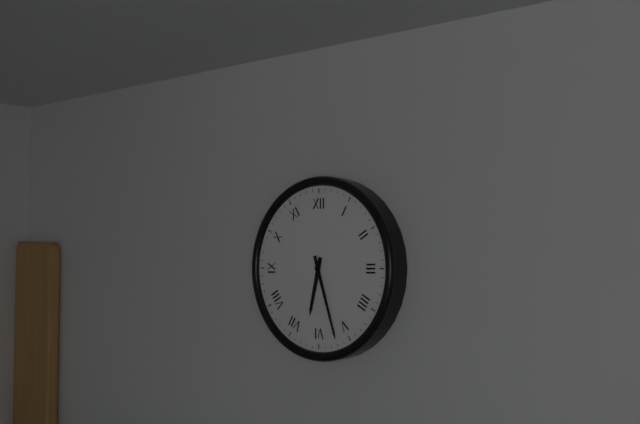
6h27
